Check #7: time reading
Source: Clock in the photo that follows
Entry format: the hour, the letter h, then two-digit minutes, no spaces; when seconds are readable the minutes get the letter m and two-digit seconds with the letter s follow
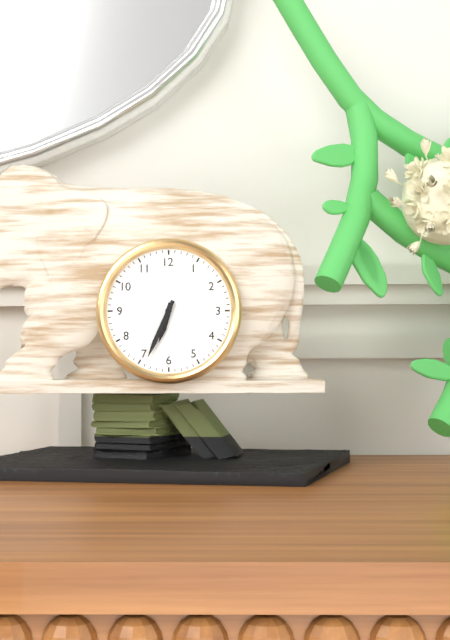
6h34
